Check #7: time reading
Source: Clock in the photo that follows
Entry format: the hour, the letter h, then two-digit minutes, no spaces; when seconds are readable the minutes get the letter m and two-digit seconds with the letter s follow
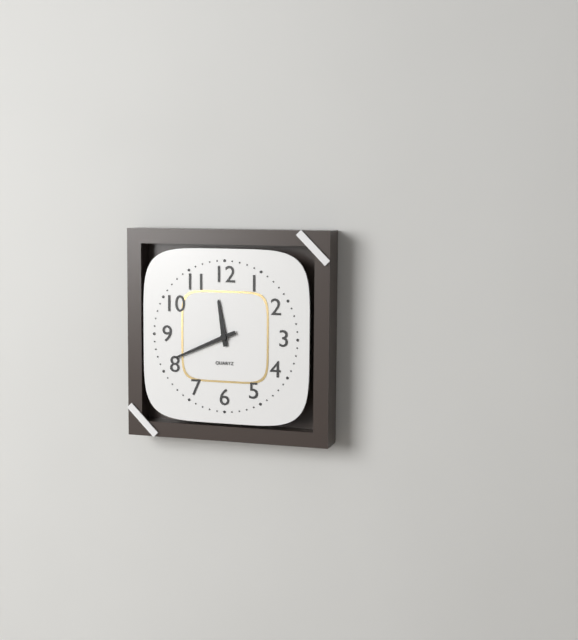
11h41
